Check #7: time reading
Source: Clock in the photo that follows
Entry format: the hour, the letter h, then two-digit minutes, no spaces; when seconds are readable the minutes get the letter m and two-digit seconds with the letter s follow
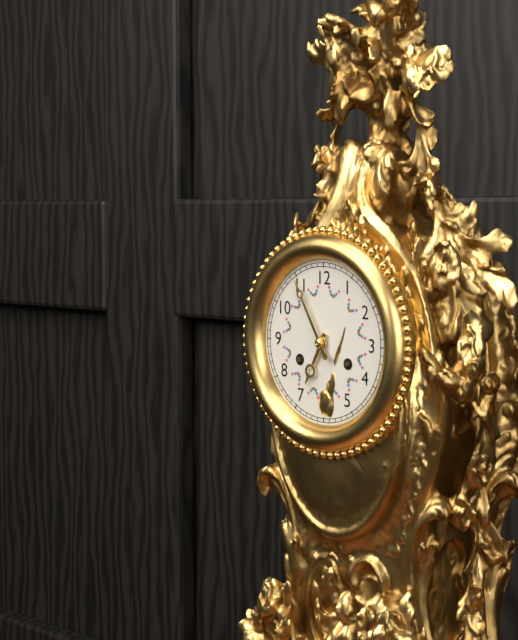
6h55
